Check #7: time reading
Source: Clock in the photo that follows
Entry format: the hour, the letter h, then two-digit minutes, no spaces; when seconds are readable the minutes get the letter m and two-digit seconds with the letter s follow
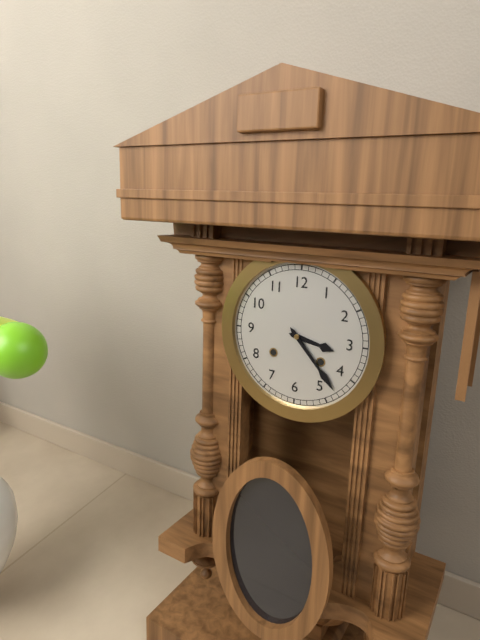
3h23
